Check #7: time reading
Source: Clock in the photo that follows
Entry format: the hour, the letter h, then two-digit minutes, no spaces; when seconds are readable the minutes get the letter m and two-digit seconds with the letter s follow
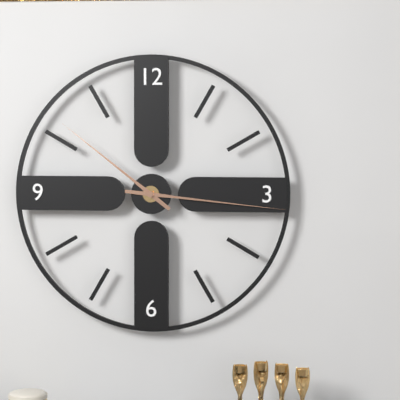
10h16
